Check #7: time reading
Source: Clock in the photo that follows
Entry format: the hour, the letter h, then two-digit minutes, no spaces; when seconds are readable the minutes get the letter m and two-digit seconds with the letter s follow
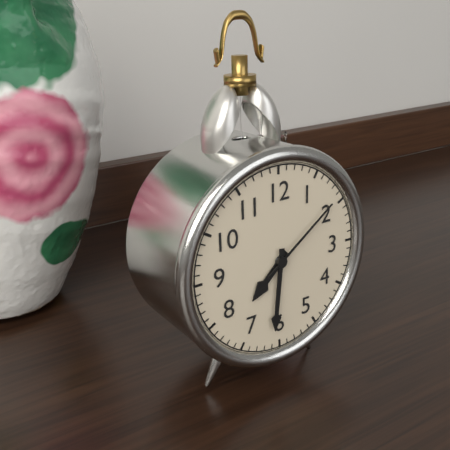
7h31m09s
